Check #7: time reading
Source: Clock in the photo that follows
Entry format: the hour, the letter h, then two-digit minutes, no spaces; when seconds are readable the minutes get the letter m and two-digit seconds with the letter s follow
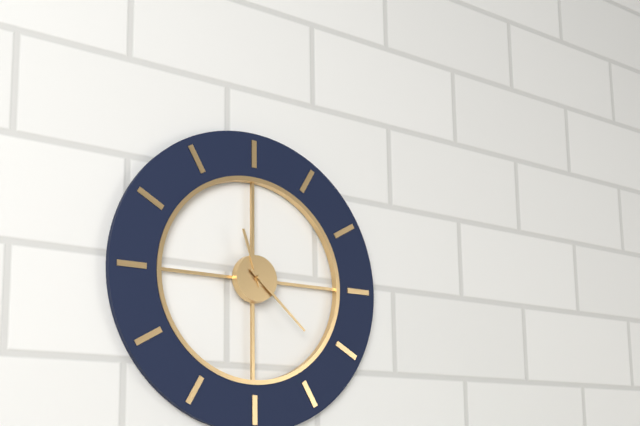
11h22
